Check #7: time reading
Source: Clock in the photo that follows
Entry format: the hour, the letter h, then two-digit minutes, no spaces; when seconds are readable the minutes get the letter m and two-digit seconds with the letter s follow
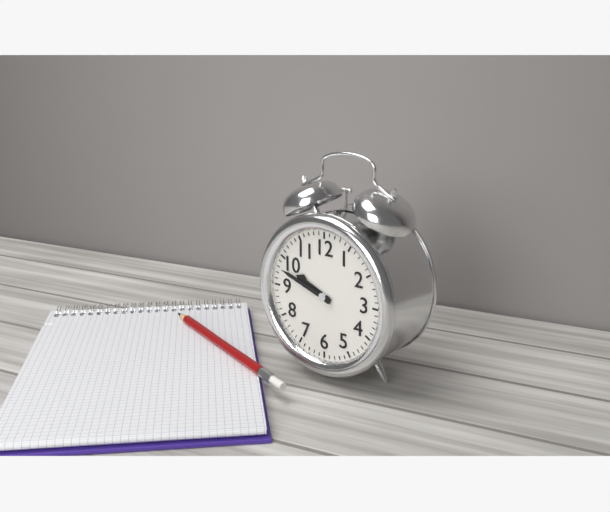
9h48
